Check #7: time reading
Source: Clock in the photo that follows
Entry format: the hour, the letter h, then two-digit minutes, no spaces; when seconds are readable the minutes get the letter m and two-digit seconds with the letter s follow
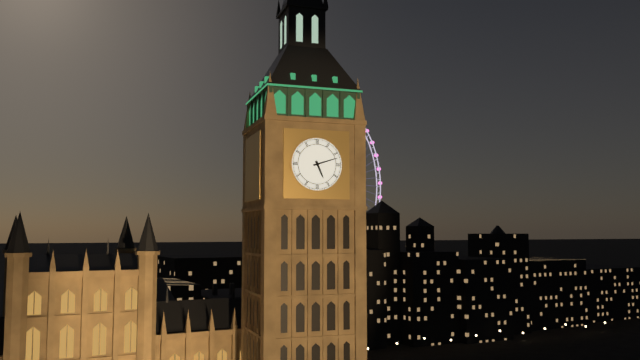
5h12
